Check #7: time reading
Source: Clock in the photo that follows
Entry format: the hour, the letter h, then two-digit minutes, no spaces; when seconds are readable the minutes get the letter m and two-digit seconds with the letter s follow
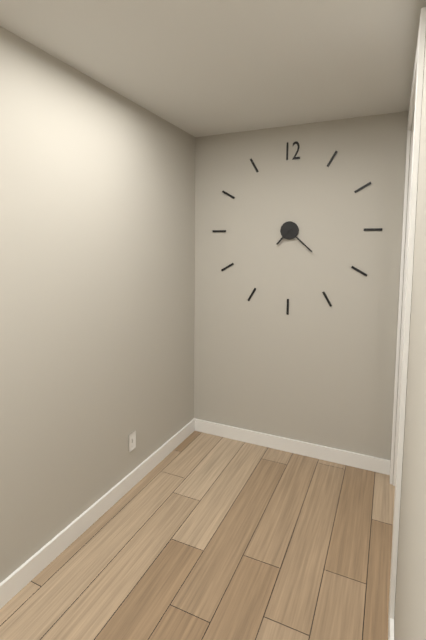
7h22
